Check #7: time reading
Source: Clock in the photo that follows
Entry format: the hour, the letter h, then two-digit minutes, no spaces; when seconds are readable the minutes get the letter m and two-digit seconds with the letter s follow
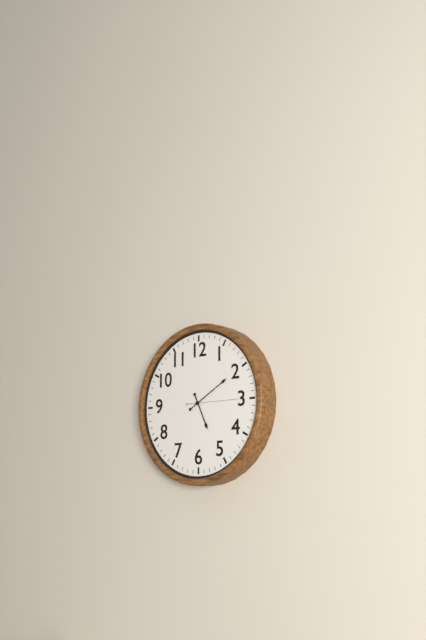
5h10m15s
